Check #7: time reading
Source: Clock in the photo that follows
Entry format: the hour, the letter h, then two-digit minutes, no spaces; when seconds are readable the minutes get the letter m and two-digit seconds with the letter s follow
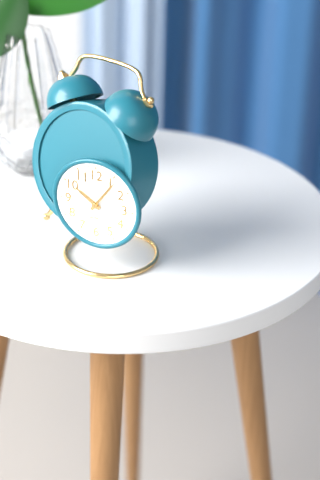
10h06
